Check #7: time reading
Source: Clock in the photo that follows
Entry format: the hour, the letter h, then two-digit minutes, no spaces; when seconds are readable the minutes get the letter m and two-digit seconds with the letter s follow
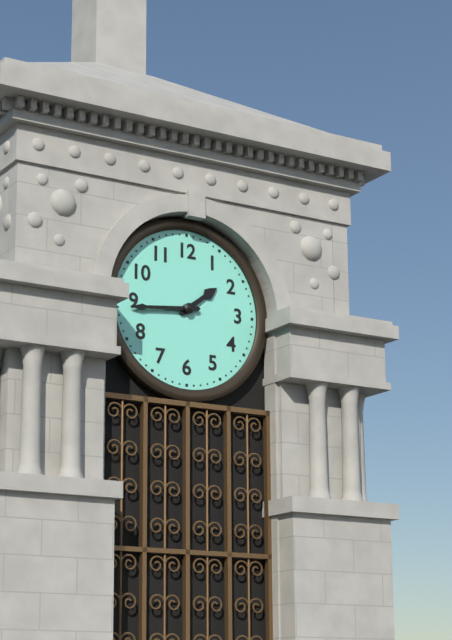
1h44
